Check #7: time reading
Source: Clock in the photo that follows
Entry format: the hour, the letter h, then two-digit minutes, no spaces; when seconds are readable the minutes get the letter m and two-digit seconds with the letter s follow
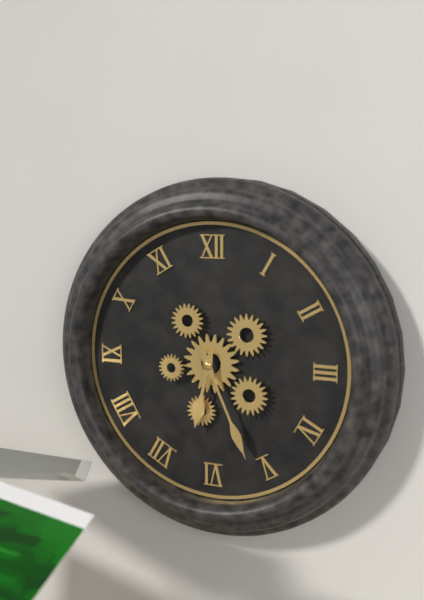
6h26
